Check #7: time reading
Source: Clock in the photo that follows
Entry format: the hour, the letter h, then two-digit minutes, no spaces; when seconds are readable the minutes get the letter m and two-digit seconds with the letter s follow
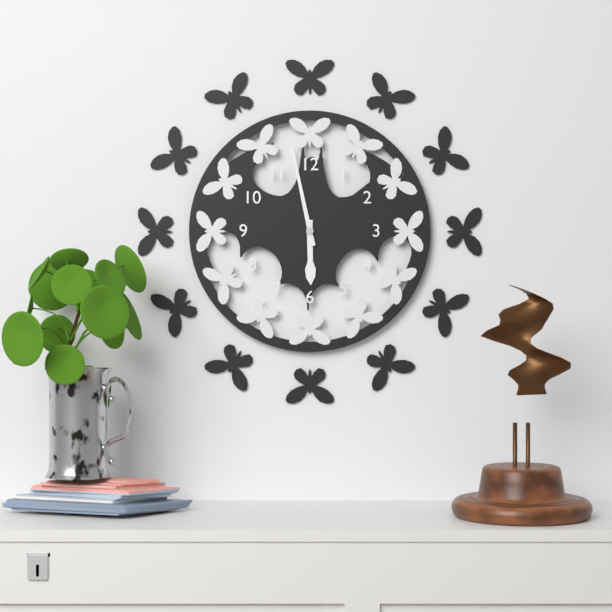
5h58
